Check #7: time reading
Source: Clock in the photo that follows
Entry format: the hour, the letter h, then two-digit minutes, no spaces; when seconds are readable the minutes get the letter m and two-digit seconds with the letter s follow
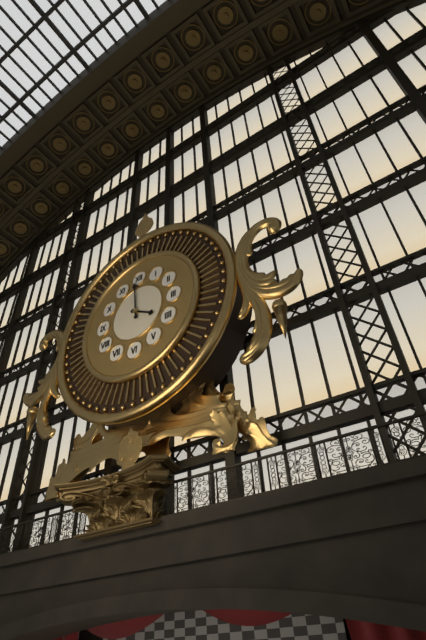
3h59
